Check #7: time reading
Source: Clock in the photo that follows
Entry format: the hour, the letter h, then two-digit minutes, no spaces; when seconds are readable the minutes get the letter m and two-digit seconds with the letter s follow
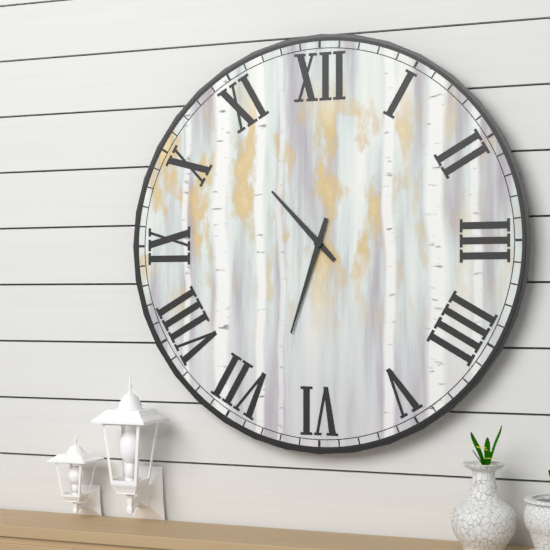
10h33
